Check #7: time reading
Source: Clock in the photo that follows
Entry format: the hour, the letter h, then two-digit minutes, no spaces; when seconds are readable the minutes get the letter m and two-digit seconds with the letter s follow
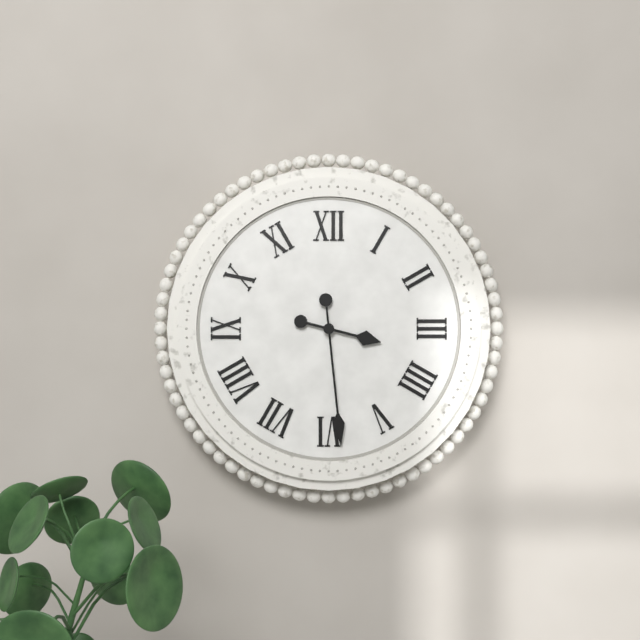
3h29
